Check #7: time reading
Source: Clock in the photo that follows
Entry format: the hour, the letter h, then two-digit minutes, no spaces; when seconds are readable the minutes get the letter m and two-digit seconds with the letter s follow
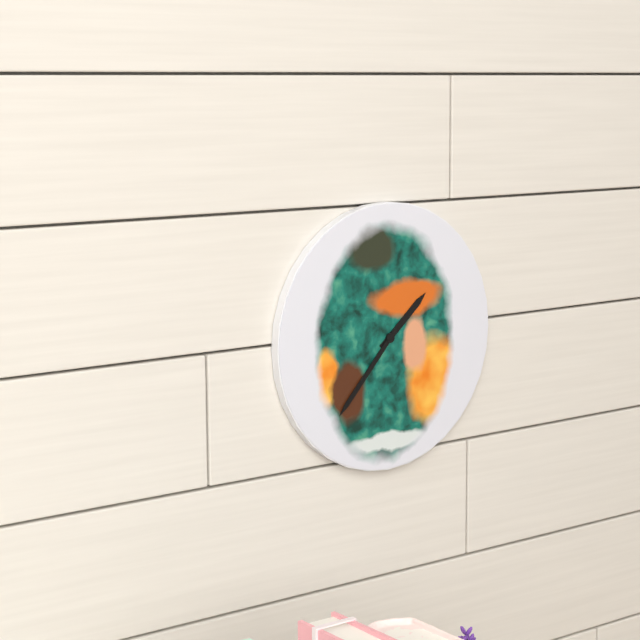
1h37
